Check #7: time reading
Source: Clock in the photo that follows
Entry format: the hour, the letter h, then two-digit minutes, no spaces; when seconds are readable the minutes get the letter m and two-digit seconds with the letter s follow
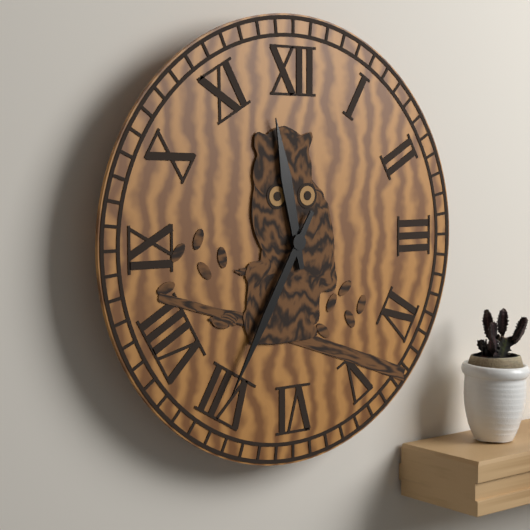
11h35
